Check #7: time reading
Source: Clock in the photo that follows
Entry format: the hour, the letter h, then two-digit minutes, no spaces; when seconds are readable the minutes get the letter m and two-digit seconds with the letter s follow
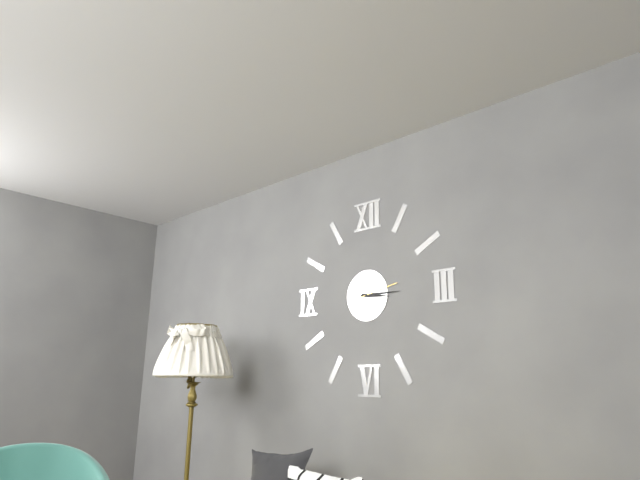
3h15
